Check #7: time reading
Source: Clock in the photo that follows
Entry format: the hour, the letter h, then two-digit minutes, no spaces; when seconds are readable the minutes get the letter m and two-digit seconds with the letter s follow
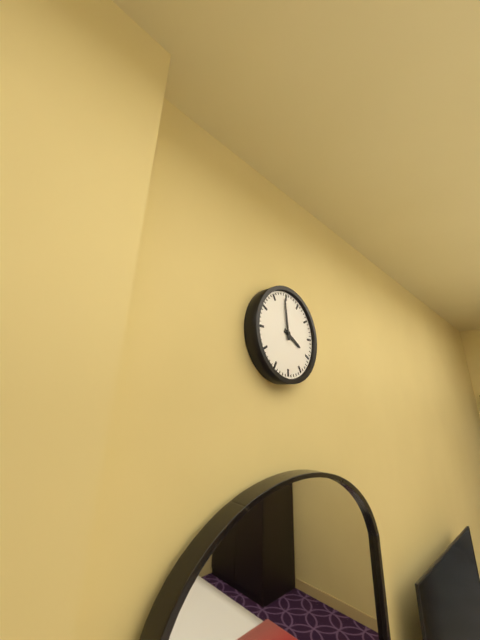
3h59
